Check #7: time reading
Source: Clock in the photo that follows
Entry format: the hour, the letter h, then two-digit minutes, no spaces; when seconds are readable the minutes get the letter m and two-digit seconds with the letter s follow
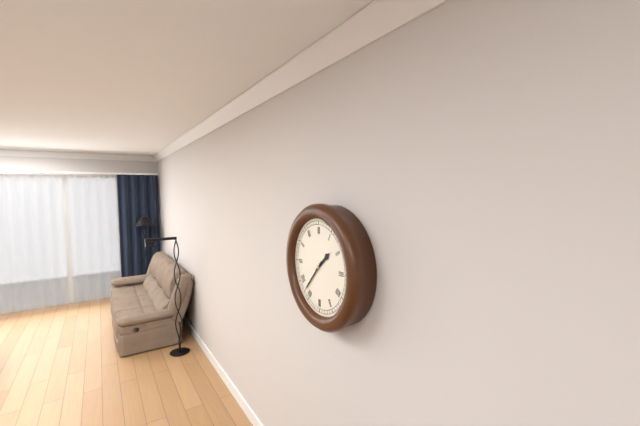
1h37
